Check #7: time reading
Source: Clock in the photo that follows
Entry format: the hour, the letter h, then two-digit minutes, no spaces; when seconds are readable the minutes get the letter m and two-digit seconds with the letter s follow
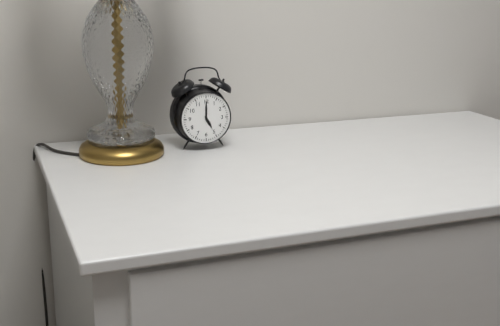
5h00
